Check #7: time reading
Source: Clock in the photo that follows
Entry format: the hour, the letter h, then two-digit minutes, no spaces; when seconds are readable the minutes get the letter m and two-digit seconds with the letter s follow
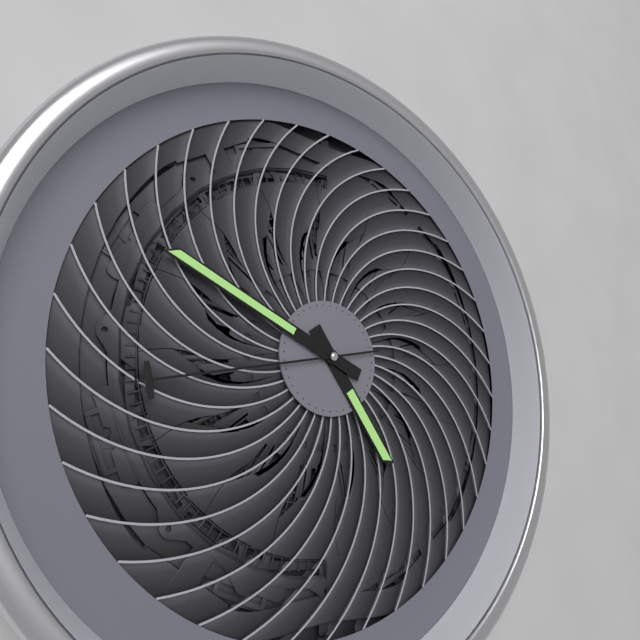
4h49m43s
